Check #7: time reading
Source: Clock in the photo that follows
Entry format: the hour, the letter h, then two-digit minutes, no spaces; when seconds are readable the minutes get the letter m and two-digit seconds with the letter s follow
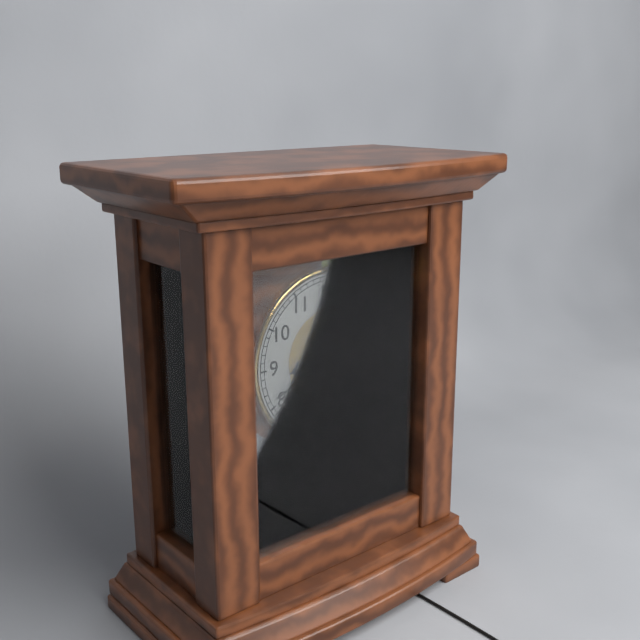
8h41
